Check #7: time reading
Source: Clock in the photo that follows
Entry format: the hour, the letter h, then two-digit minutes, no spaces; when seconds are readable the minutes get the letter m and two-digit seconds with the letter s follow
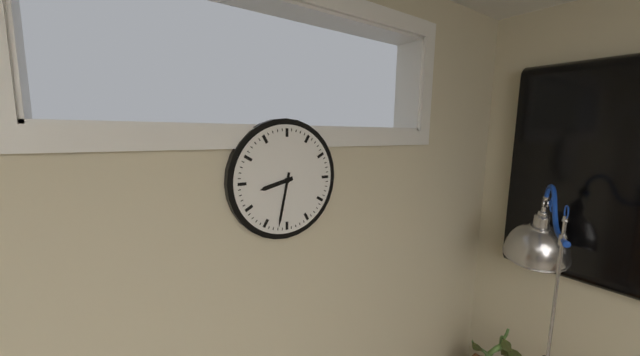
8h32
